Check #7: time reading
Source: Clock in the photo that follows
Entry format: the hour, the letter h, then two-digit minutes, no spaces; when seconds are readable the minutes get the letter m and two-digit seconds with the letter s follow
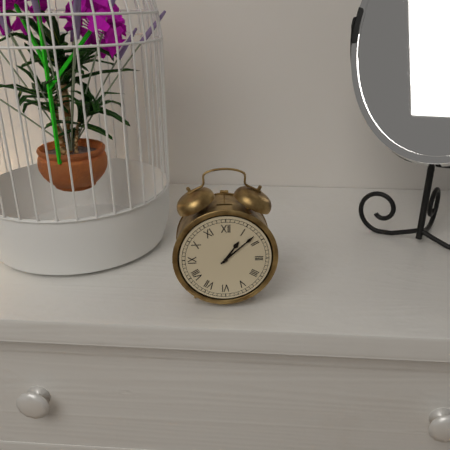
1h08
